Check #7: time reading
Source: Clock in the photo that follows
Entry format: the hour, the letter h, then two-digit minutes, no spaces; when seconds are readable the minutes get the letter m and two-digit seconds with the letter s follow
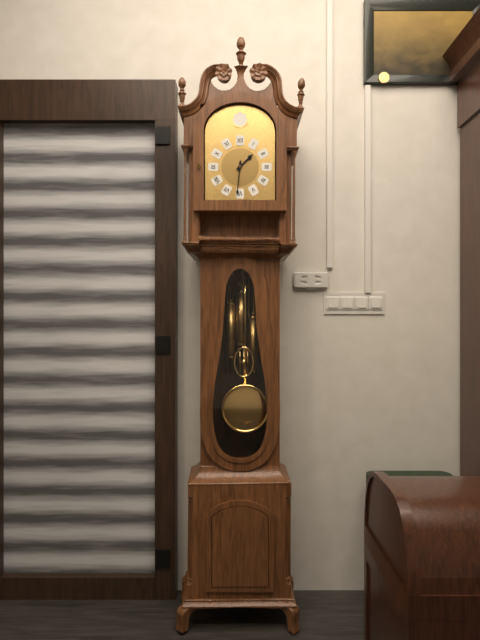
1h31
